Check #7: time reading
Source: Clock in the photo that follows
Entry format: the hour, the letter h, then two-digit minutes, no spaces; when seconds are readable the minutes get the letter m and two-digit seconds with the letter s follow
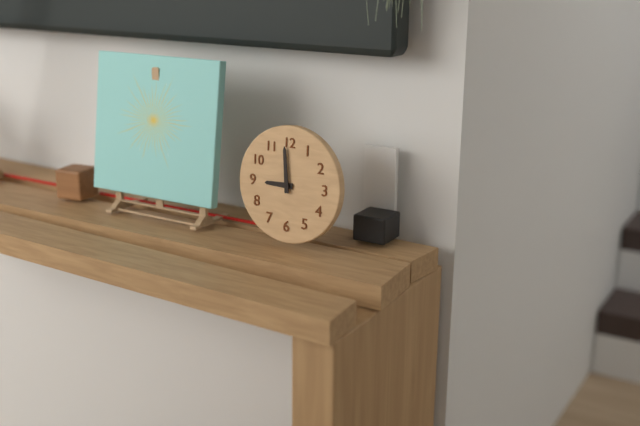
8h59
